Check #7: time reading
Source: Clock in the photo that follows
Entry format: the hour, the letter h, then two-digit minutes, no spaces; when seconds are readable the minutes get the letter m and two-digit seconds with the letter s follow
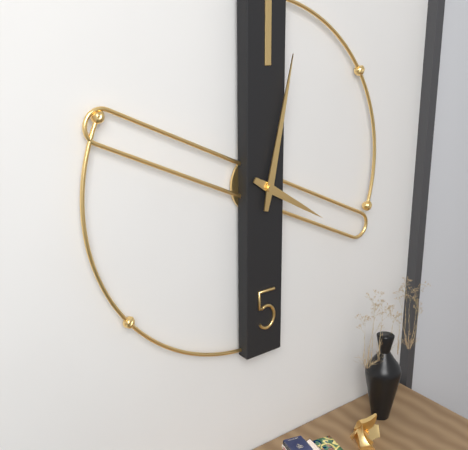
4h02
